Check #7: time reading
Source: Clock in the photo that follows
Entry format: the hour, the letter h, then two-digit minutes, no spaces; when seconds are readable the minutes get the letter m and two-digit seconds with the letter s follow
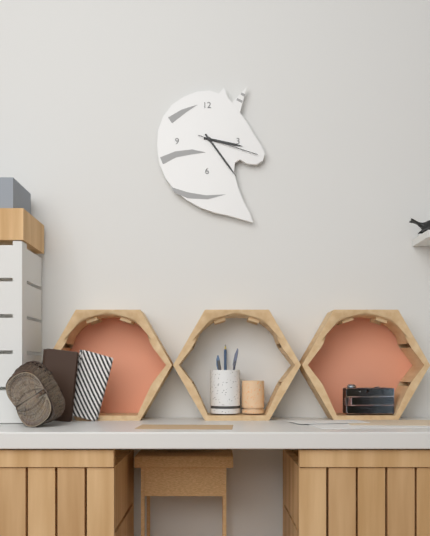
3h24m18s
